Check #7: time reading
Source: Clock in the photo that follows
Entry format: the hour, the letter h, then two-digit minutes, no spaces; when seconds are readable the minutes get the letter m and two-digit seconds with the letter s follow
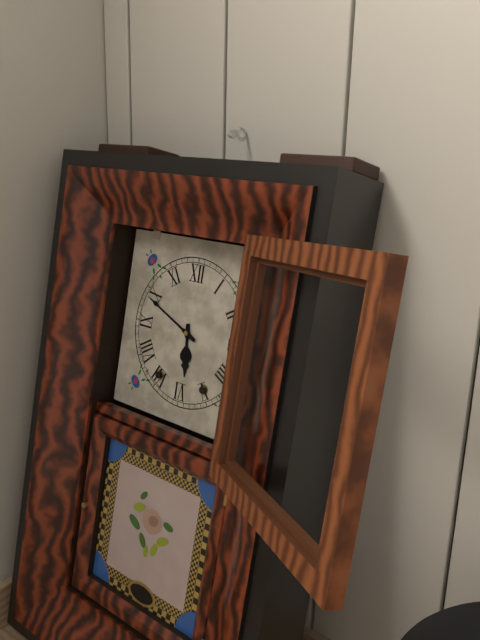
5h49
